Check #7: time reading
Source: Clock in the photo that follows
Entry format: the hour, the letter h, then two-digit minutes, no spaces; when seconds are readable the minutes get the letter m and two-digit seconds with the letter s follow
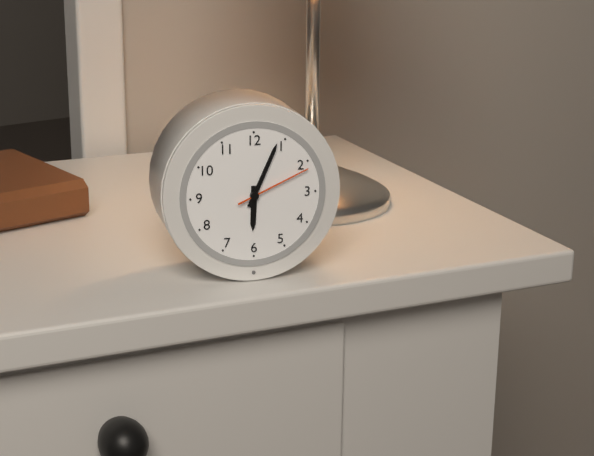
6h04m11s
